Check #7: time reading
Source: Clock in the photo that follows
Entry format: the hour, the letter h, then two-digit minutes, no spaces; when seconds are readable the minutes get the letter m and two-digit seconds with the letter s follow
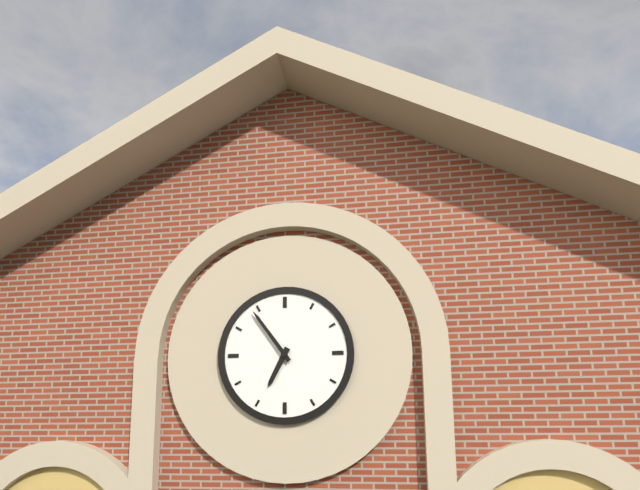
6h54
